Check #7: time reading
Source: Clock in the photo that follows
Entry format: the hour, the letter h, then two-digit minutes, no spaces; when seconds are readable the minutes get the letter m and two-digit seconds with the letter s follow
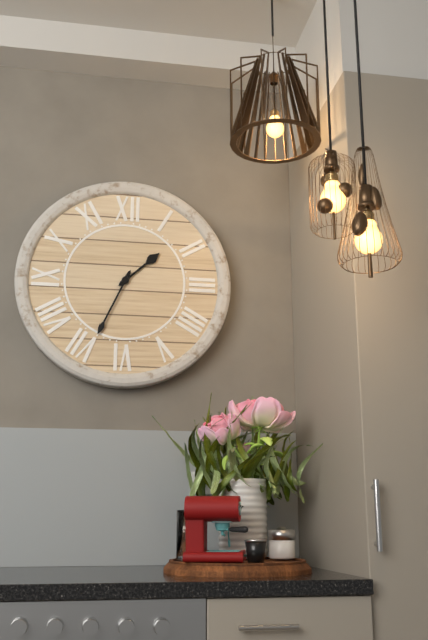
1h34
